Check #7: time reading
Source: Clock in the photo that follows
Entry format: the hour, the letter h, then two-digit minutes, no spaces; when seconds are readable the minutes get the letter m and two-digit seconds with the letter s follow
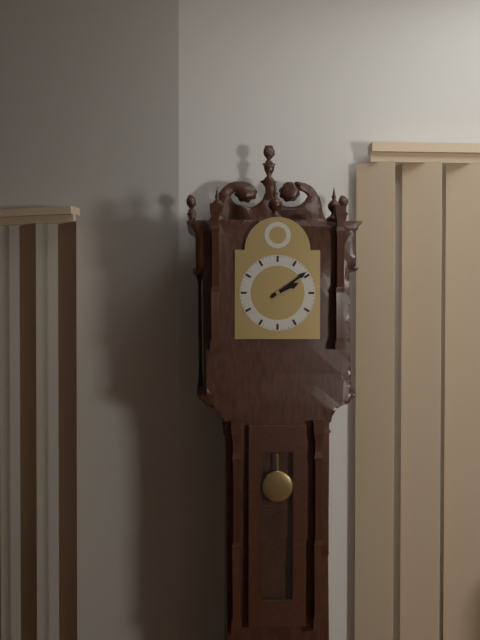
2h09
